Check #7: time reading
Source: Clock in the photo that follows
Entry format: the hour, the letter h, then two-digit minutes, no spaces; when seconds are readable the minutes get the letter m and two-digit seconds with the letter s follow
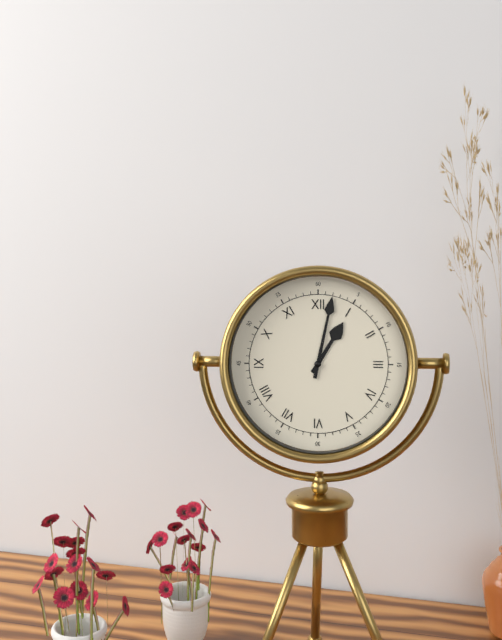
1h02
